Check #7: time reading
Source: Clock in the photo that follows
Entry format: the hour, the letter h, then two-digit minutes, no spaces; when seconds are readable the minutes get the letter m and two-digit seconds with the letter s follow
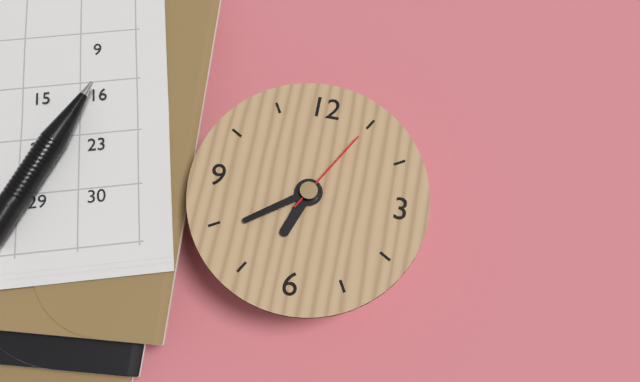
6h39m05s
